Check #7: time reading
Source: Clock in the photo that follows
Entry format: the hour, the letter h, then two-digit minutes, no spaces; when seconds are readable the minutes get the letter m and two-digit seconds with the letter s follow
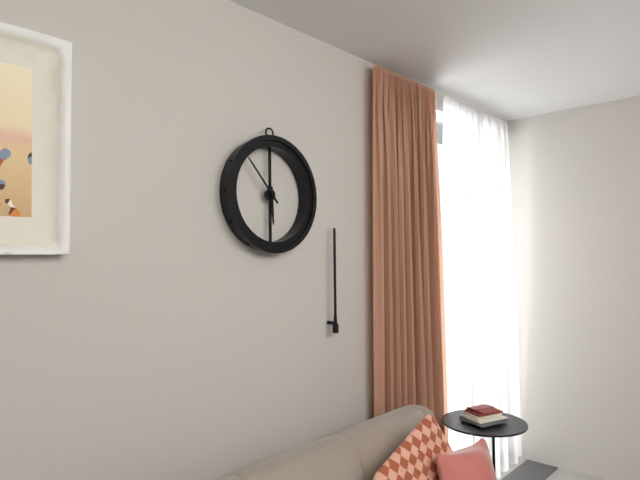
5h53
